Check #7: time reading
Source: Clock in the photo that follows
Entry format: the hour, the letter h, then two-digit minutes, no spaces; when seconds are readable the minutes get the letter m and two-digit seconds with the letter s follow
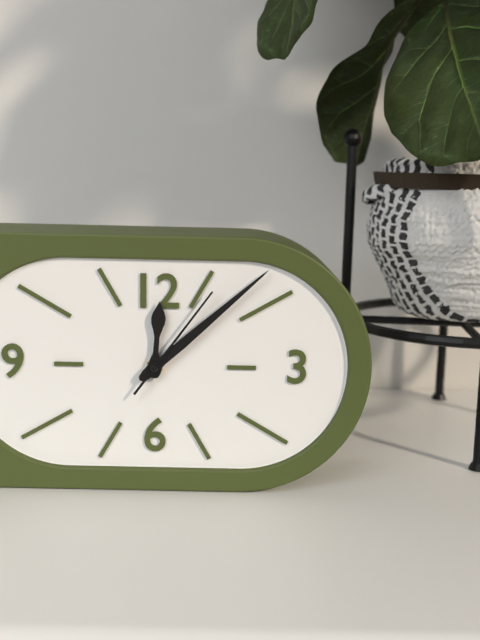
12h08m06s
